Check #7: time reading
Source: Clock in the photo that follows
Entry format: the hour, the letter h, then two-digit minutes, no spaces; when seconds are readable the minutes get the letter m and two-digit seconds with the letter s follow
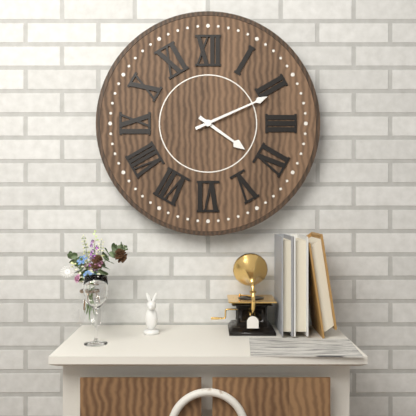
4h11
